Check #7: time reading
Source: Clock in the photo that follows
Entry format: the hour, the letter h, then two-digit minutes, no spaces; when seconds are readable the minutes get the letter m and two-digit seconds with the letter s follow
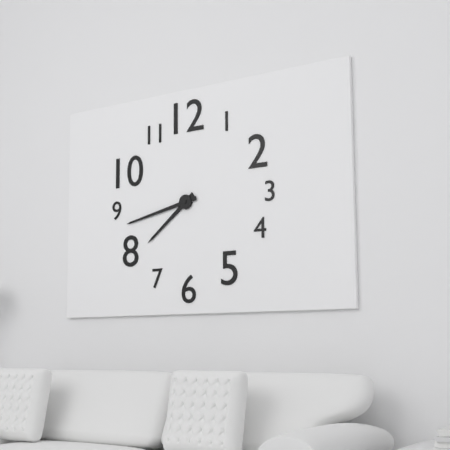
7h43
